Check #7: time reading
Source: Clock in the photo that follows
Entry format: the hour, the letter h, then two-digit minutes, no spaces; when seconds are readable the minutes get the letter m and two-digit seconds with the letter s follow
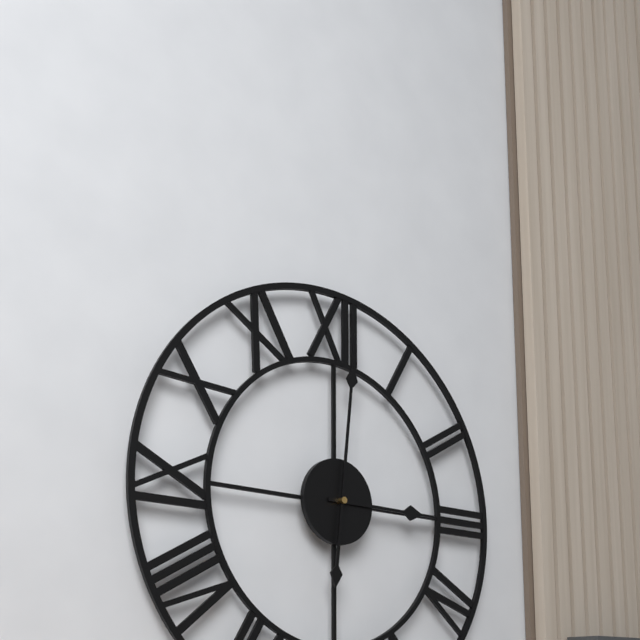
3h01
